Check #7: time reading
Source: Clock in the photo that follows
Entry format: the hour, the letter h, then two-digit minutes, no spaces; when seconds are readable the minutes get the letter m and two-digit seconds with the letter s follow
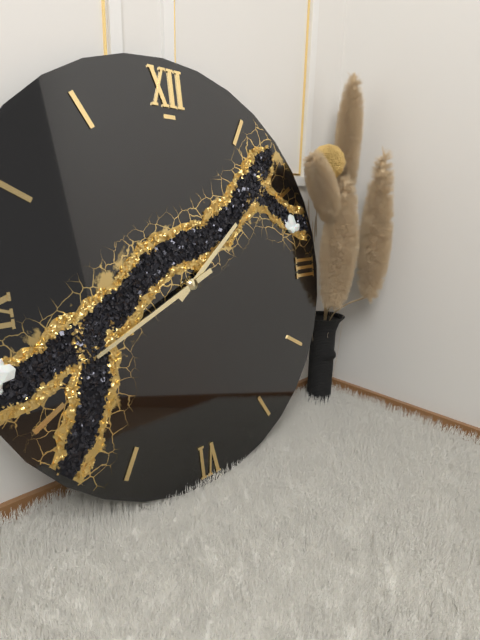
1h41
